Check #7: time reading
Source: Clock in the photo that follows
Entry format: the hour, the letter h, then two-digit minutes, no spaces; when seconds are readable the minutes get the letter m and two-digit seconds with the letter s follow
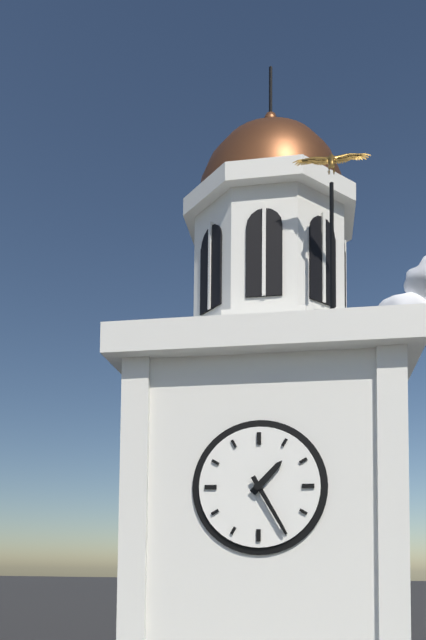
1h25
